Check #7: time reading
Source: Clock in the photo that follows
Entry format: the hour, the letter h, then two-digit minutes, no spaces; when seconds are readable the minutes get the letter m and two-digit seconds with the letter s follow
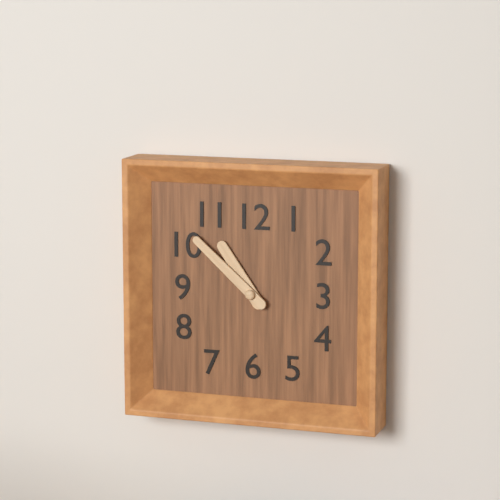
10h52
